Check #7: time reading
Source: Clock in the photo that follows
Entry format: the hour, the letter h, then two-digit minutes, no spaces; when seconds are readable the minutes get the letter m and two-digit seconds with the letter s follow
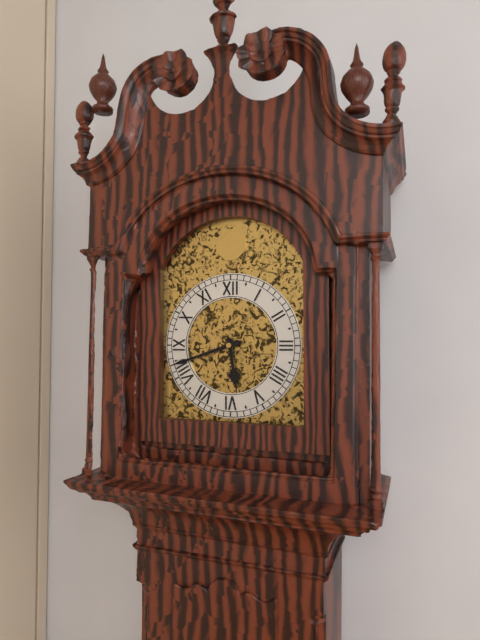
5h42
